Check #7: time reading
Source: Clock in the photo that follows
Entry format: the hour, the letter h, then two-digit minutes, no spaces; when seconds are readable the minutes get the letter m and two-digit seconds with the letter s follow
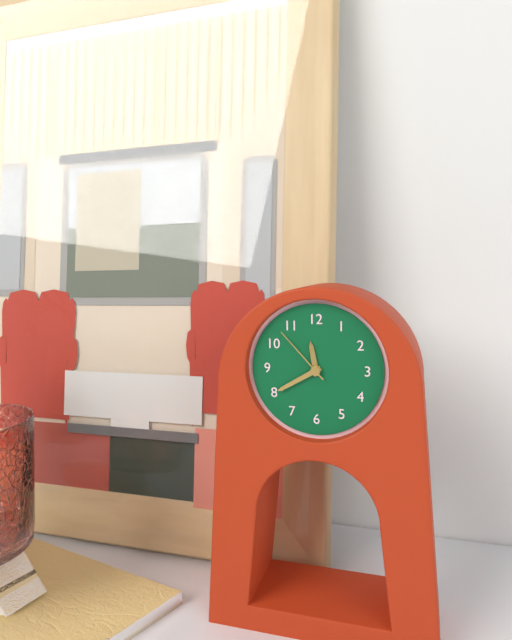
11h40m53s
